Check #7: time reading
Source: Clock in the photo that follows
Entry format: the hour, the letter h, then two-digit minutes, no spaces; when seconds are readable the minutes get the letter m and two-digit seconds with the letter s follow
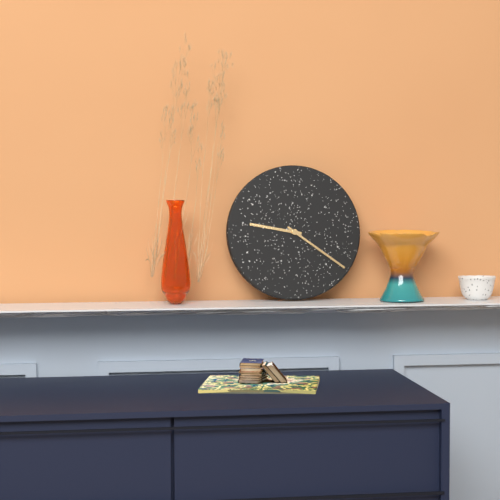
9h21
